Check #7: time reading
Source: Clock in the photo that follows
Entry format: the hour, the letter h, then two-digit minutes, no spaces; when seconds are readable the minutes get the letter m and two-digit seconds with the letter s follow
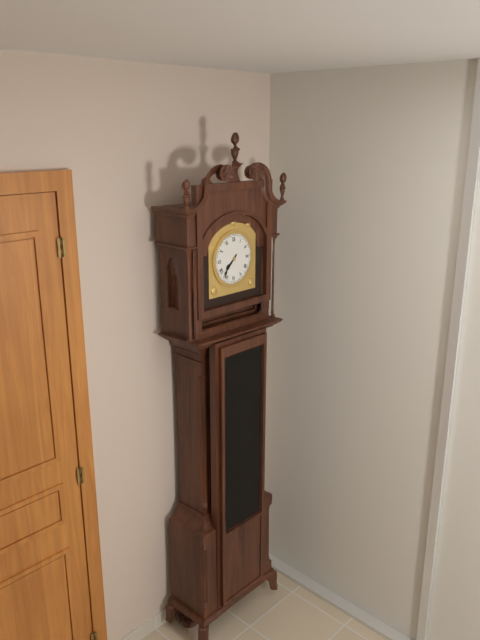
7h37
